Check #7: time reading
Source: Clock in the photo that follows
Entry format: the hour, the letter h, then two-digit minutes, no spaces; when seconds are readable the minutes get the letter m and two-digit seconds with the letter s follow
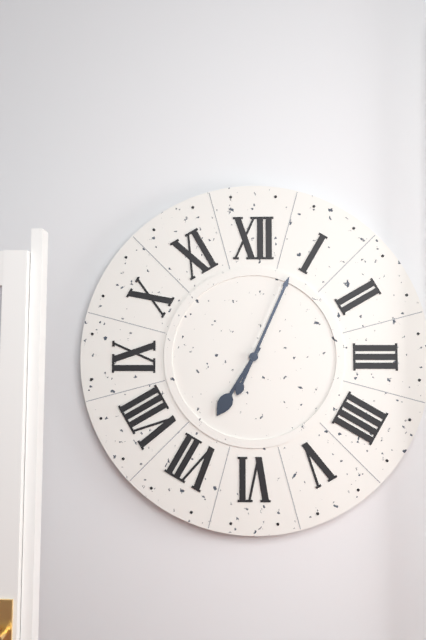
7h04
